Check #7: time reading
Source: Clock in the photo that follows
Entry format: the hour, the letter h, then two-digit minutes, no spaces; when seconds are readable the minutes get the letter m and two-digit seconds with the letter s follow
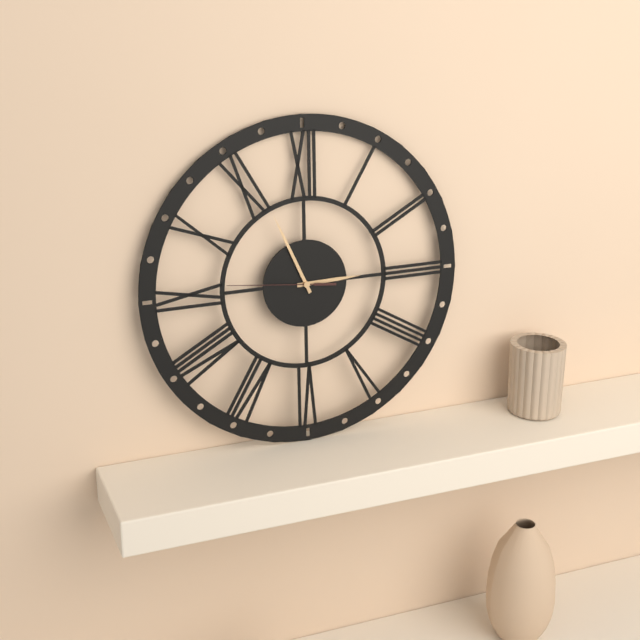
2h56m46s
